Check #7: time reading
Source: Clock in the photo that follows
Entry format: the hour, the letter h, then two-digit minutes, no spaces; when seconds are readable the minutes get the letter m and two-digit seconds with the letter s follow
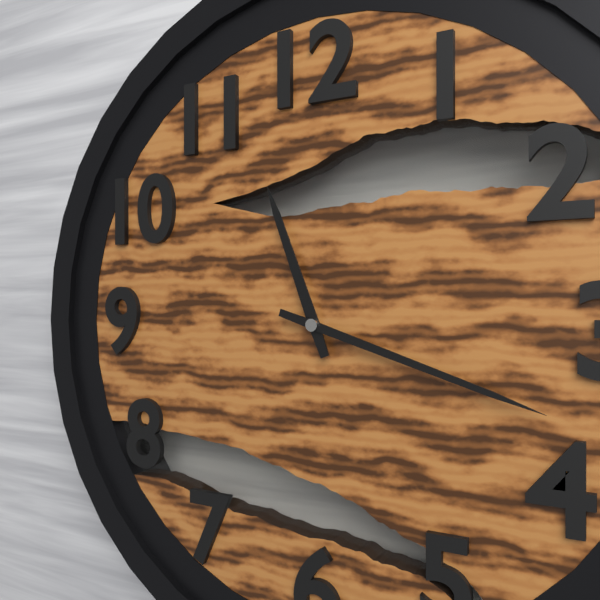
11h18
